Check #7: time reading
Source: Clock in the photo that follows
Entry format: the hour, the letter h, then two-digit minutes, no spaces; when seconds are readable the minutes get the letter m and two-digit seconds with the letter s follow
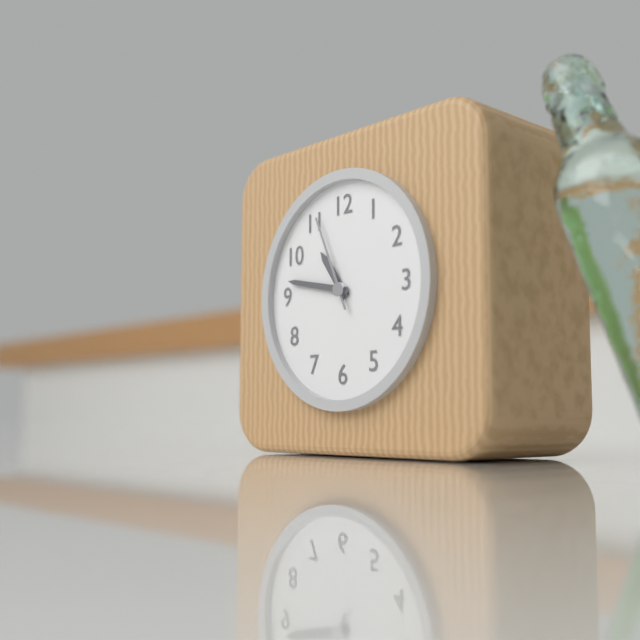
10h47m56s
